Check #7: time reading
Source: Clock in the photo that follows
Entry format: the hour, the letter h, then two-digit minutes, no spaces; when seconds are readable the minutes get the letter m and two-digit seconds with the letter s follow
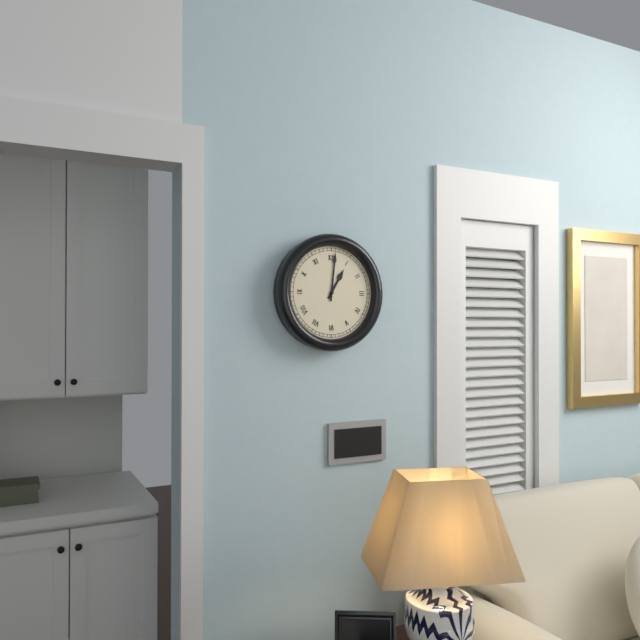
1h01
